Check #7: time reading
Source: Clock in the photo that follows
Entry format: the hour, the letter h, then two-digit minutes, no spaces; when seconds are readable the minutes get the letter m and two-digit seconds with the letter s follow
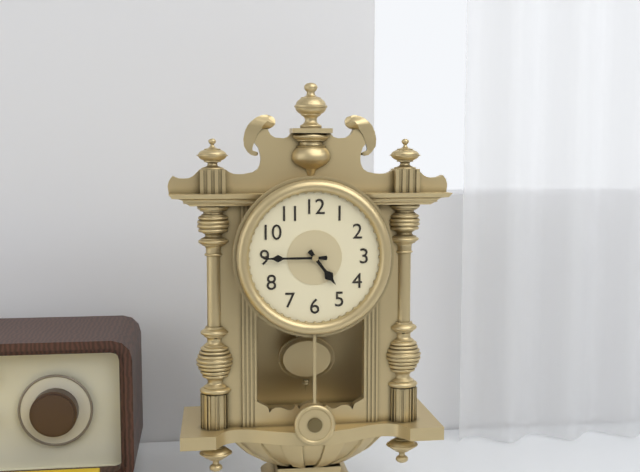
4h45
